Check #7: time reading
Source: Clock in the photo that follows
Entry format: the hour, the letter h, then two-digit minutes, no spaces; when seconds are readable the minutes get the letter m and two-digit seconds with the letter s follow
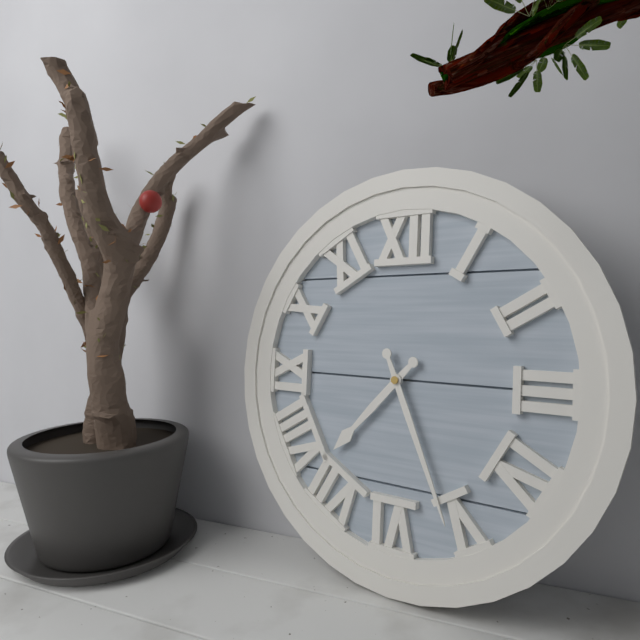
7h26
